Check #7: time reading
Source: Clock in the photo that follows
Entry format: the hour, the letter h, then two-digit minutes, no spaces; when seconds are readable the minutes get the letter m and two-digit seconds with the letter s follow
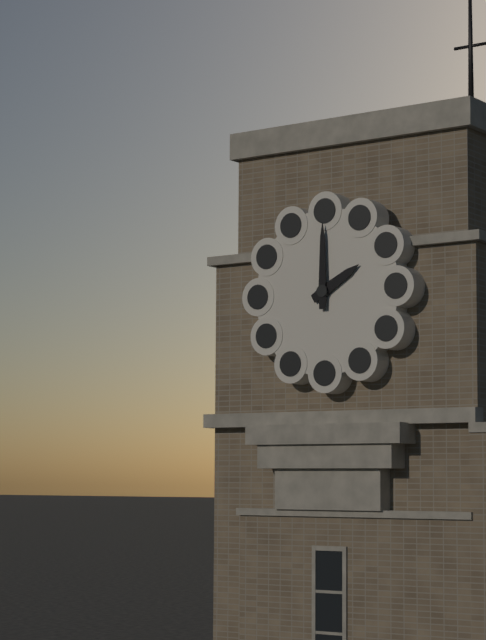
2h00
